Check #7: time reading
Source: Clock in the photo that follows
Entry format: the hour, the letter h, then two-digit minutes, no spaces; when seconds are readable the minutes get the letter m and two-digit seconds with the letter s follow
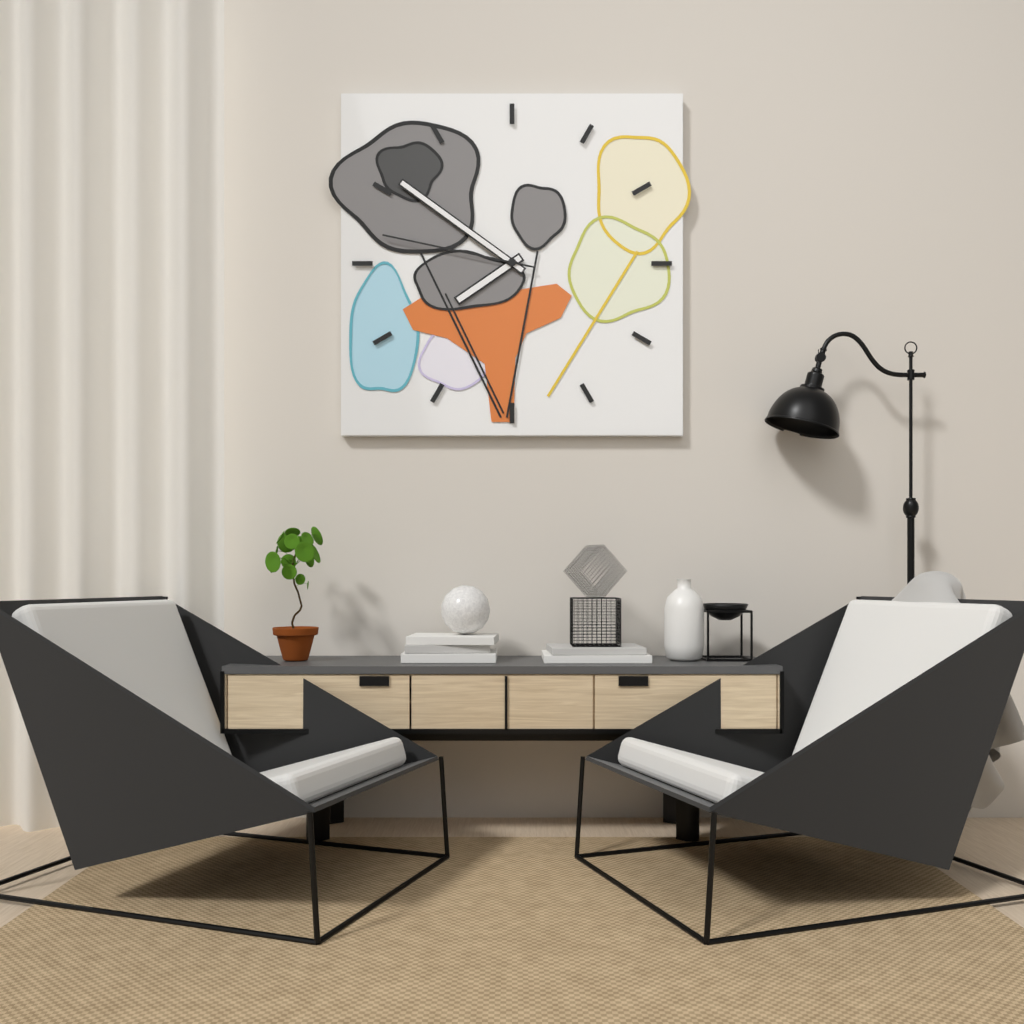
7h51m47s
